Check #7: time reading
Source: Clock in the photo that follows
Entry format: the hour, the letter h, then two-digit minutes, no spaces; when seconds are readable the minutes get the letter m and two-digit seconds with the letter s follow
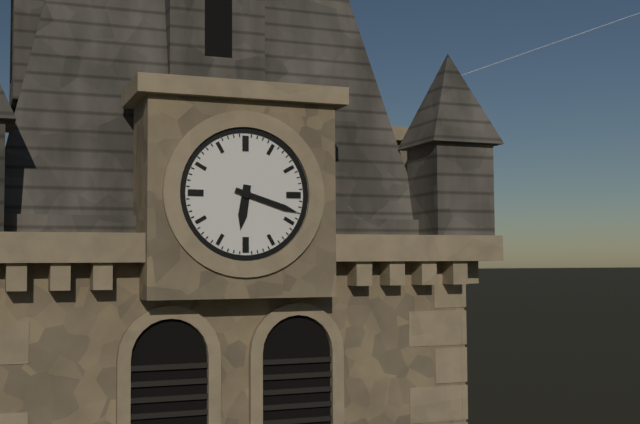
6h18
